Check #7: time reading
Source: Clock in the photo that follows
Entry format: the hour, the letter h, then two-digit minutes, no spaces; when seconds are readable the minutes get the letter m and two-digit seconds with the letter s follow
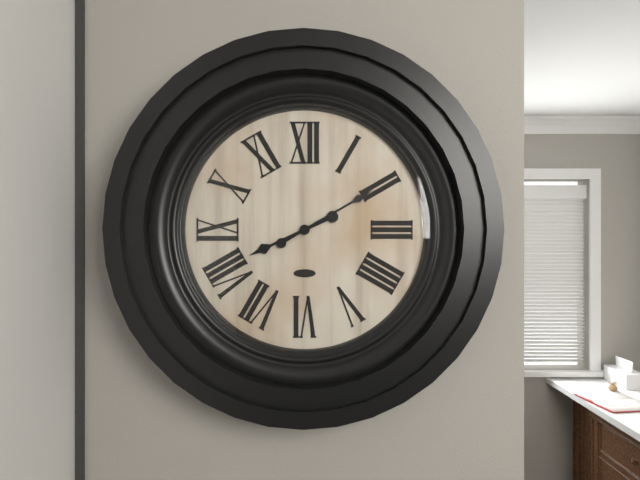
8h10
